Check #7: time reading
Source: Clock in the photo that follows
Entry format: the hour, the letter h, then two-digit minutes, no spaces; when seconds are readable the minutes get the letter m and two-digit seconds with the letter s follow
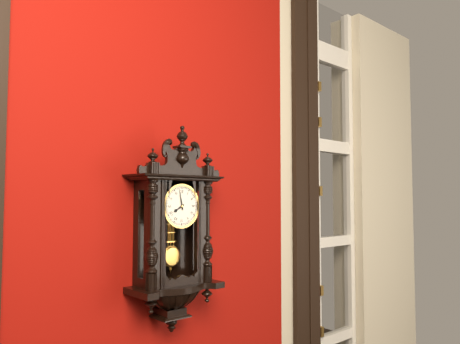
7h58
